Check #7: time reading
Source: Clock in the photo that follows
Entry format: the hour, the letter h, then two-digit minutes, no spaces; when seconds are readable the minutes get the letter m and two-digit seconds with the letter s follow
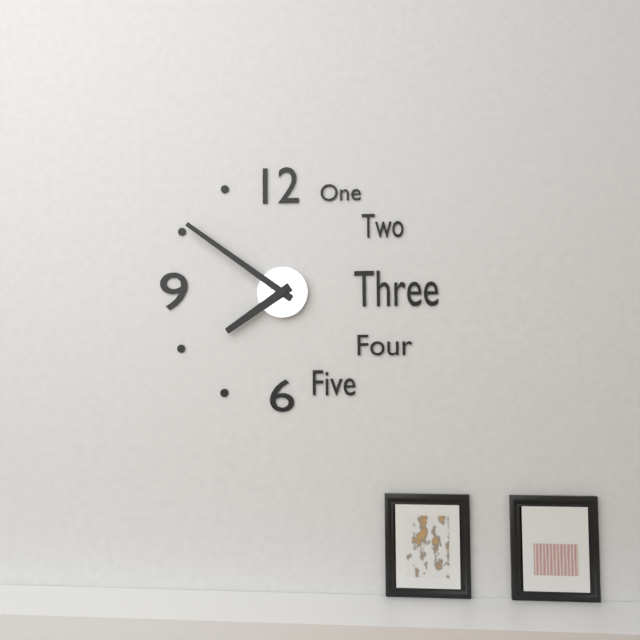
7h51
